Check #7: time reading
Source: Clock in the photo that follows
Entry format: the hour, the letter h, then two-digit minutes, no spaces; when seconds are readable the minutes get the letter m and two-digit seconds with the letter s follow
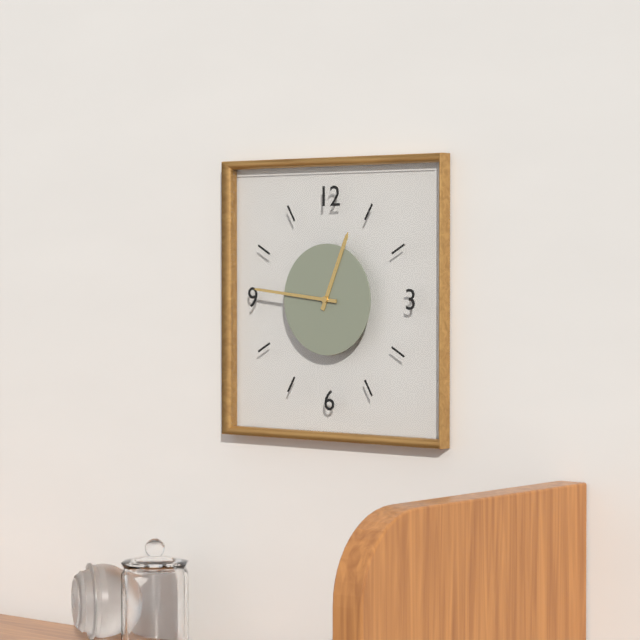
12h46
